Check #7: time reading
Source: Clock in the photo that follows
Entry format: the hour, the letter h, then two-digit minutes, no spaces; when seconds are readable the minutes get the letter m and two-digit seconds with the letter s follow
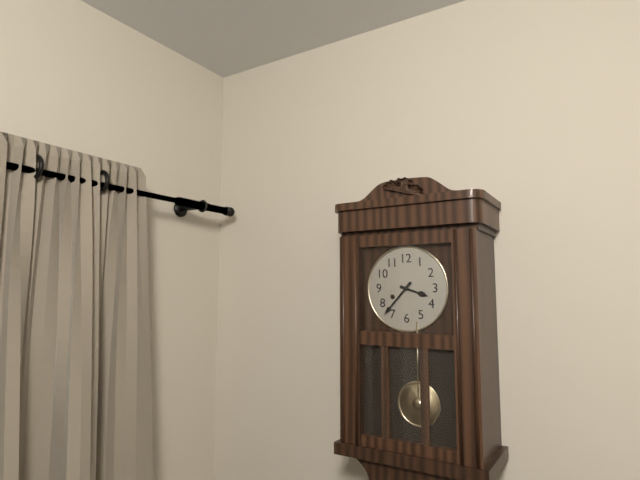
3h37
